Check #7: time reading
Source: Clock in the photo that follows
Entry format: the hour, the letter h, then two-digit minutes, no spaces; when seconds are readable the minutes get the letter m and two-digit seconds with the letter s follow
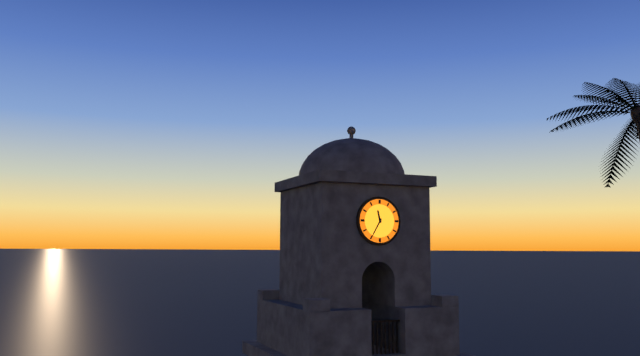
11h35
